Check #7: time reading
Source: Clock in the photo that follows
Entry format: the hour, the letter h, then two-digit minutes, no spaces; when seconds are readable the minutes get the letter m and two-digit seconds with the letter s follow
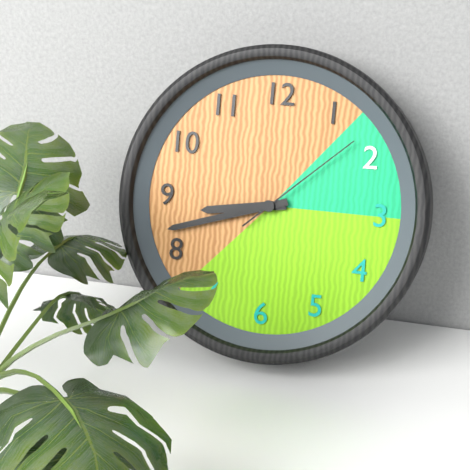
8h42m08s
